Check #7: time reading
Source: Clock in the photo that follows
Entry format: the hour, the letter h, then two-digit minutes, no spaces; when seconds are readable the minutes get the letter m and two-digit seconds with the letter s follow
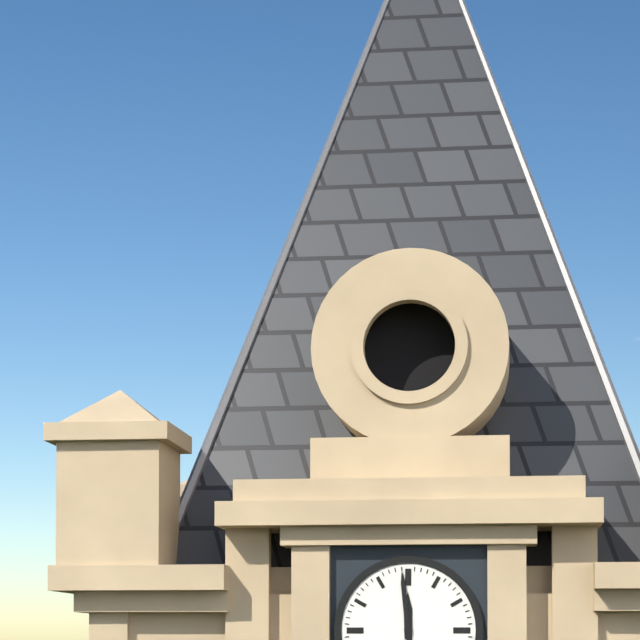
11h59
